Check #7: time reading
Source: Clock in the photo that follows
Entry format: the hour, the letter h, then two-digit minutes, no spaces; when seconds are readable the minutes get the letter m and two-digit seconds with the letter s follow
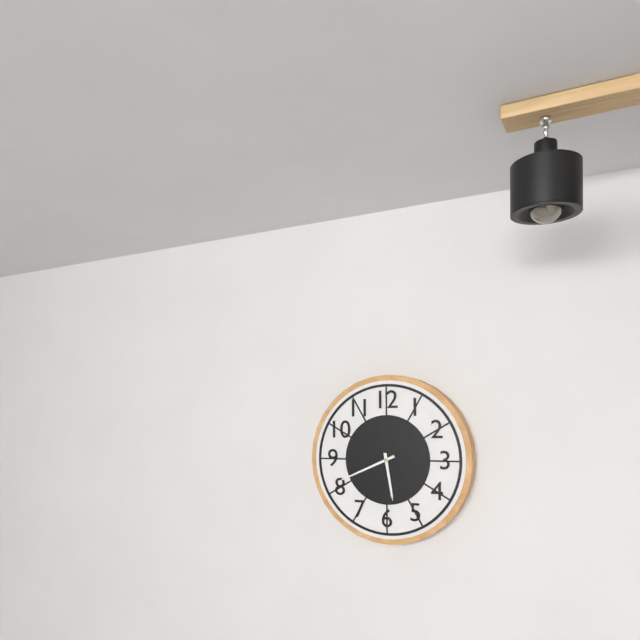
5h41
